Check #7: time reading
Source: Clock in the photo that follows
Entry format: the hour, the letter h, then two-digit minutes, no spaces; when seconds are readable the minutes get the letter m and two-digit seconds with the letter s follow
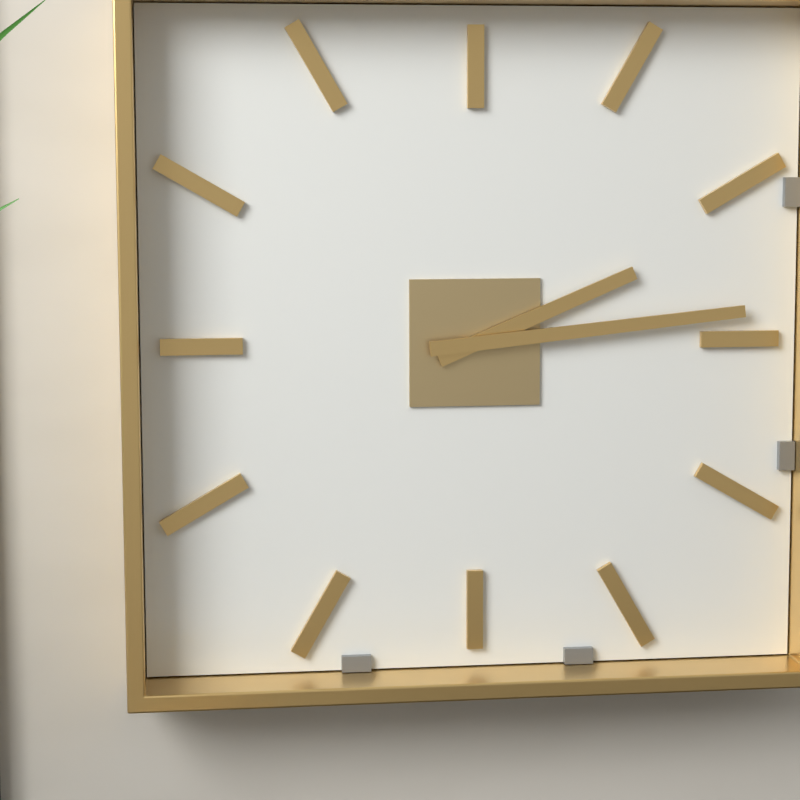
2h14
